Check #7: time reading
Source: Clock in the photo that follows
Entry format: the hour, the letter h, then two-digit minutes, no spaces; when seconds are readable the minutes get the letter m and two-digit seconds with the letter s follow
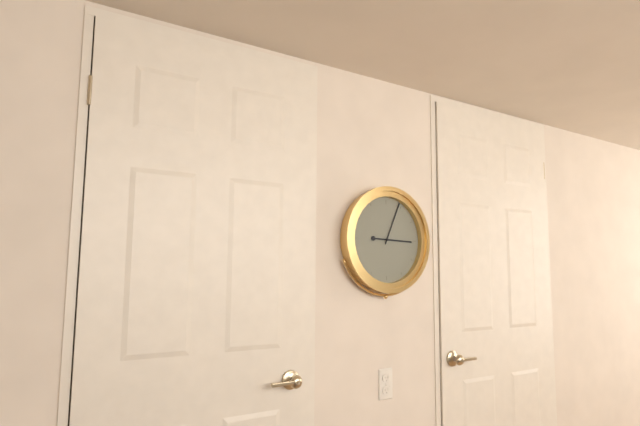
3h04
